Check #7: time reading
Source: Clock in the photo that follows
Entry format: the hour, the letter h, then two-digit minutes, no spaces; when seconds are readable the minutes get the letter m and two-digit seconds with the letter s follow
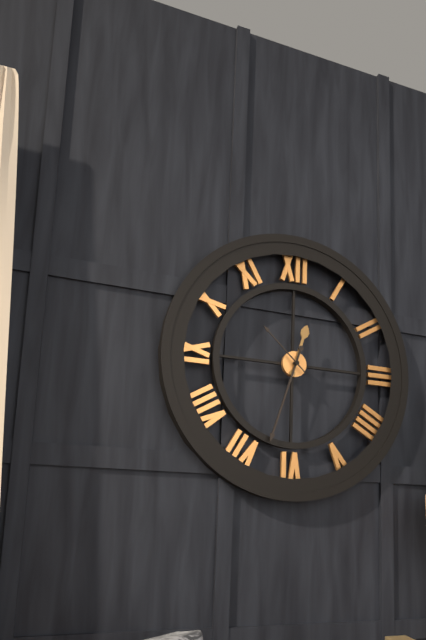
12h33m52s
